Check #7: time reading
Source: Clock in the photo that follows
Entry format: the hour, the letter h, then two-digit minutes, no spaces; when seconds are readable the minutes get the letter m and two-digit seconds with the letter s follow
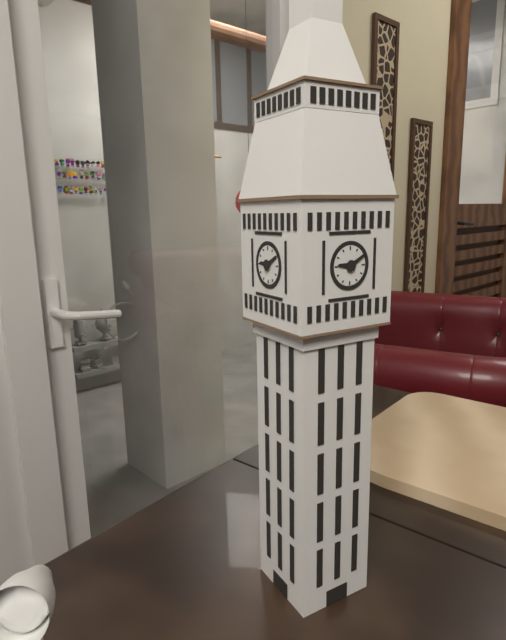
9h10
